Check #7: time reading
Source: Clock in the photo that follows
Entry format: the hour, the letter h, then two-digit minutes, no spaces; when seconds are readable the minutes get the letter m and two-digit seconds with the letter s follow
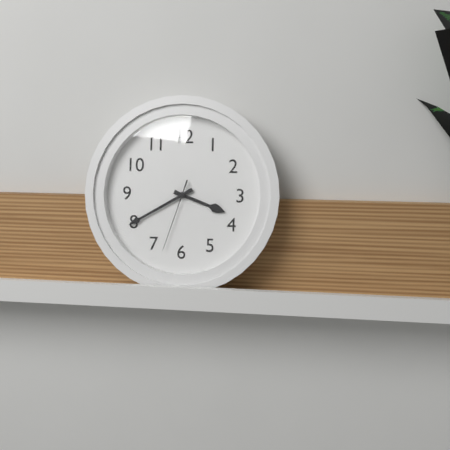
3h40m33s
